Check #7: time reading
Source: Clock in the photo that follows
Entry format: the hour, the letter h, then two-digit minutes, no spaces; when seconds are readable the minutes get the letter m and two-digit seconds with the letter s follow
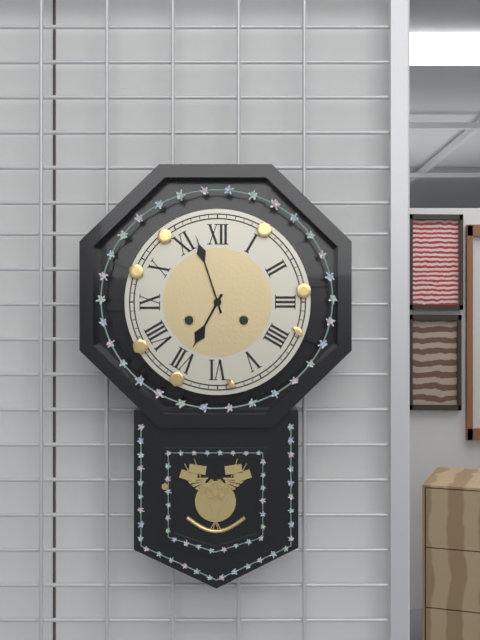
6h57
